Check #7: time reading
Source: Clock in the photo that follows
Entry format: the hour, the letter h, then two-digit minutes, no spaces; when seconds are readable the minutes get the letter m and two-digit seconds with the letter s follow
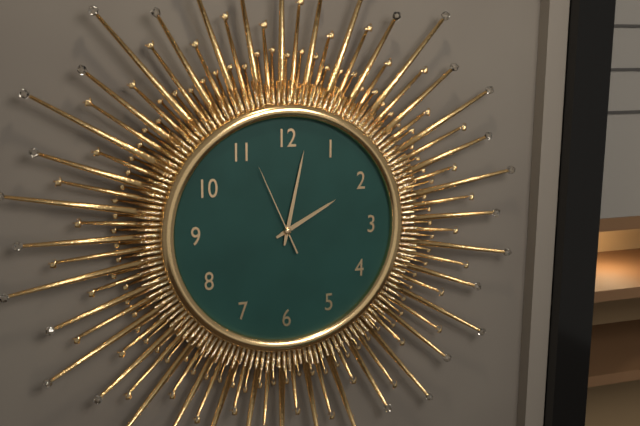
2h02m56s
